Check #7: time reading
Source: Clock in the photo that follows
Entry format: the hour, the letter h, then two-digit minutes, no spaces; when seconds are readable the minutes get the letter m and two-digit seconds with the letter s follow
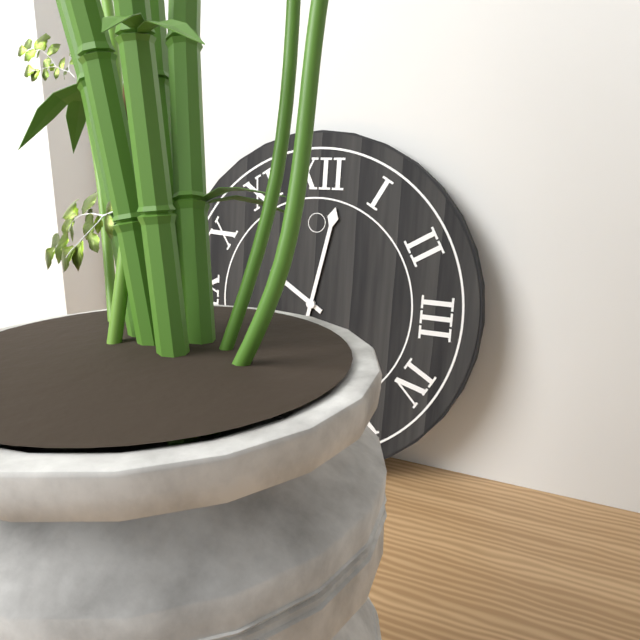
10h02
